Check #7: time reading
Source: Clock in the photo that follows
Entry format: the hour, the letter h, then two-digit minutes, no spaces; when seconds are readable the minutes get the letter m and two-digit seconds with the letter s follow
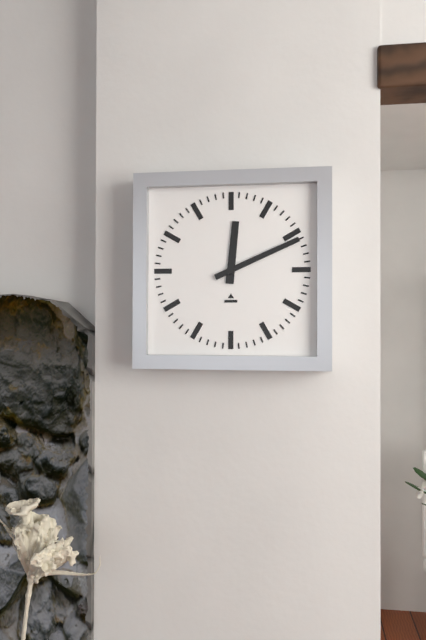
12h11
